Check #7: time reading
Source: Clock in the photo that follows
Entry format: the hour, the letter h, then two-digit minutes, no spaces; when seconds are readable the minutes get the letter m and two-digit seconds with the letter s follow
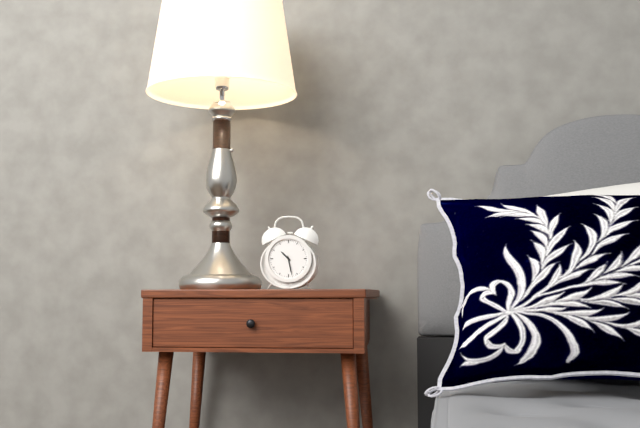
10h28
